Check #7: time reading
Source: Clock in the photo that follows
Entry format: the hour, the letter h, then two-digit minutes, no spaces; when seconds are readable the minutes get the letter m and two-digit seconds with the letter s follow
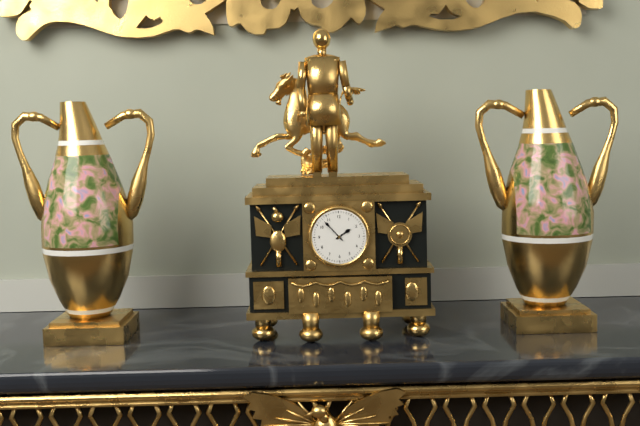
1h53
